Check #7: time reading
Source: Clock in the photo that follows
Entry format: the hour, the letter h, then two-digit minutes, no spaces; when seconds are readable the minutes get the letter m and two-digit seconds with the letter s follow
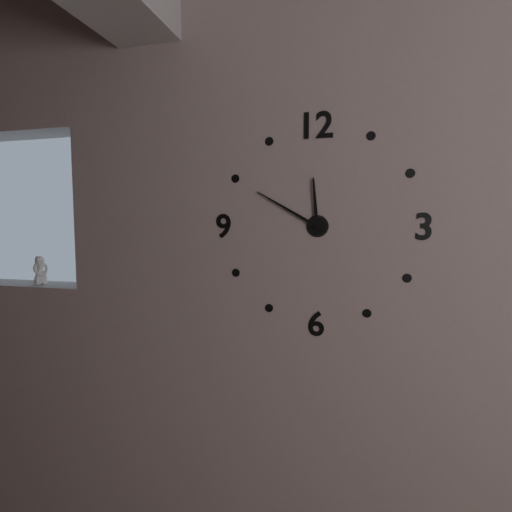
11h50
